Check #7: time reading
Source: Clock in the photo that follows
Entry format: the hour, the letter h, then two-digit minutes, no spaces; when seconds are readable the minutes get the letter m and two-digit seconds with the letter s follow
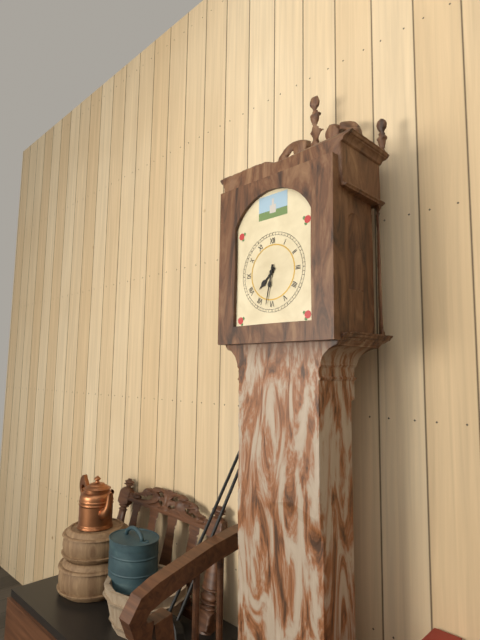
7h32
